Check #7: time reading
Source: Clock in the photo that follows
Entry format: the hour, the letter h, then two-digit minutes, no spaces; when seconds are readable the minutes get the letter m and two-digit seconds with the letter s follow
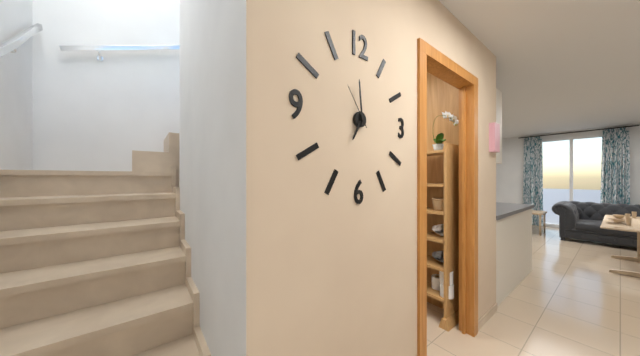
6h59
